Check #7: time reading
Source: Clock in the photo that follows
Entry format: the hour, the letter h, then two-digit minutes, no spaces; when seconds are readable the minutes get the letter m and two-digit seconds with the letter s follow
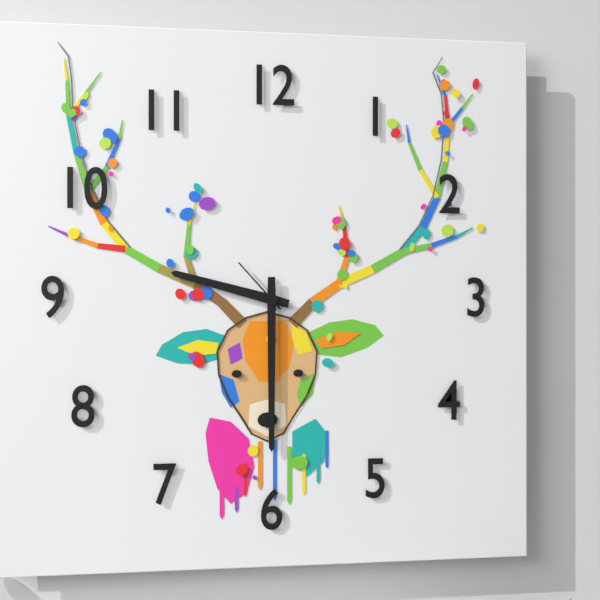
9h30m53s
